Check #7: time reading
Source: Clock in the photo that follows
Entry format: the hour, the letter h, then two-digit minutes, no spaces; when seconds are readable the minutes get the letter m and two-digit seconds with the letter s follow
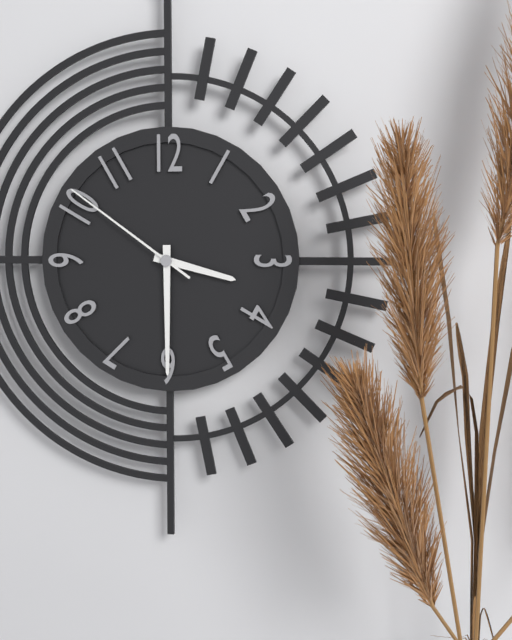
3h30m51s
